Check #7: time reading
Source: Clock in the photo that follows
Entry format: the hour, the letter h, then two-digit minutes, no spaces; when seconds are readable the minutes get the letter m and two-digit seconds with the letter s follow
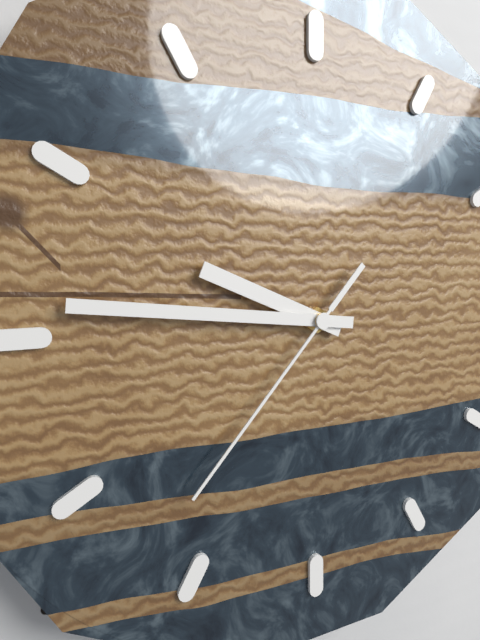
9h46m37s
